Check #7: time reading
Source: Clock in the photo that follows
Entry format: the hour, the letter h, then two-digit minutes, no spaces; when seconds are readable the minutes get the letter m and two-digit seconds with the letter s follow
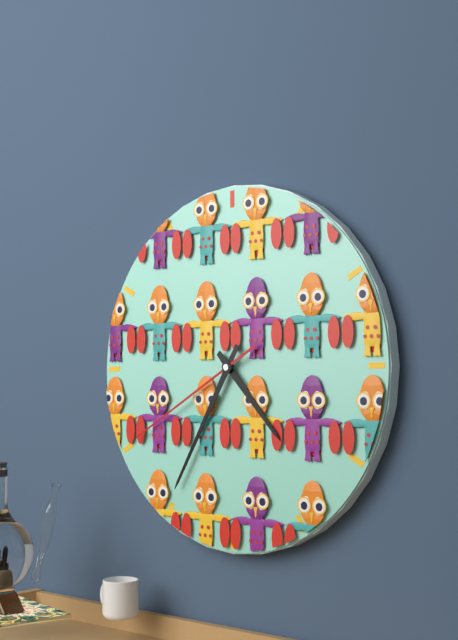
4h35m40s
